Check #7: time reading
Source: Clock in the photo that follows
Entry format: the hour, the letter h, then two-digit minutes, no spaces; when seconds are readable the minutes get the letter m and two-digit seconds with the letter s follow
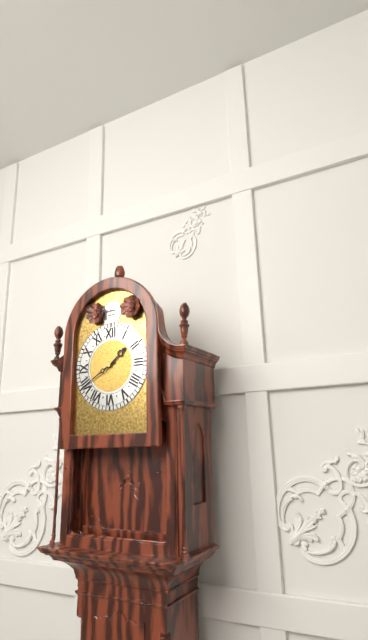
1h40
